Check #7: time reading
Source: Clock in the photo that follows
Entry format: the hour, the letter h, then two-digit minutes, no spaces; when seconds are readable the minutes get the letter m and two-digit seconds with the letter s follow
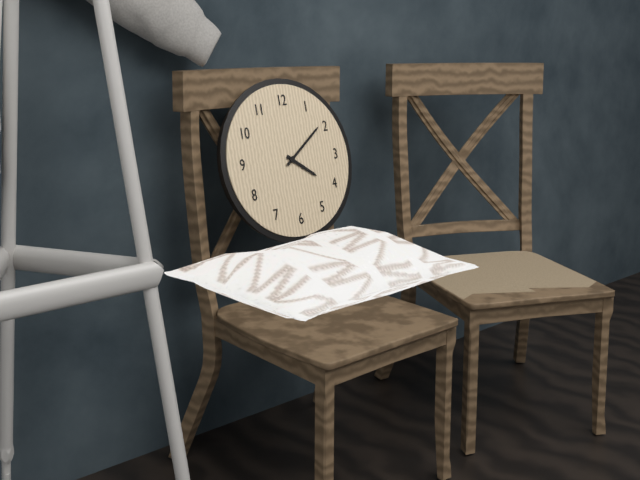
4h09
